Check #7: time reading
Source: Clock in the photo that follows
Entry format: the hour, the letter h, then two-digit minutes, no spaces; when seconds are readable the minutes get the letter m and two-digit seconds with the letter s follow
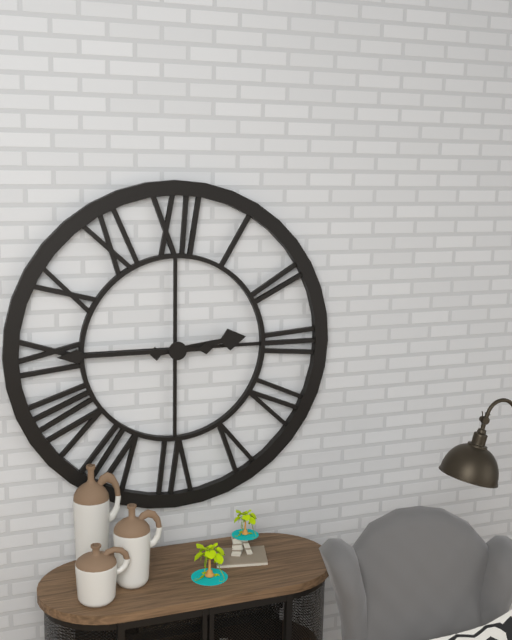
2h45
